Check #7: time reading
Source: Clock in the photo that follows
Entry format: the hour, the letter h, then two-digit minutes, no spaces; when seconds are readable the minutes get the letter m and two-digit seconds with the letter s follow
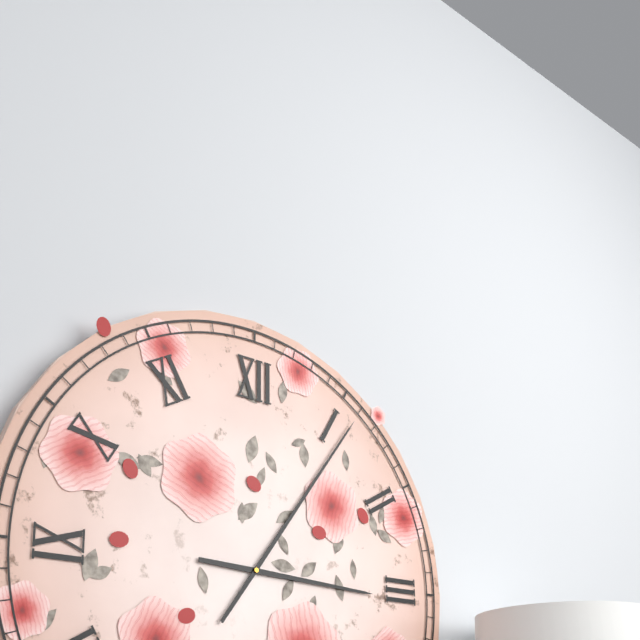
3h06
